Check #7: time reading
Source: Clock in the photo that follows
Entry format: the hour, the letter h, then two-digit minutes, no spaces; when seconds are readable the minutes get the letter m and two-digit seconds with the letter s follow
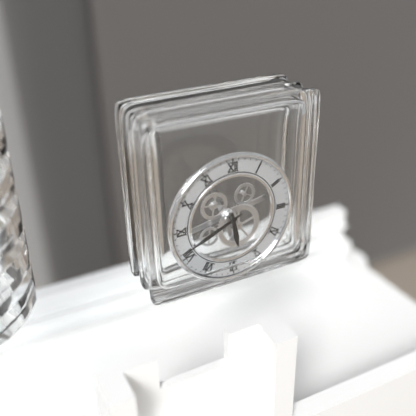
5h41
